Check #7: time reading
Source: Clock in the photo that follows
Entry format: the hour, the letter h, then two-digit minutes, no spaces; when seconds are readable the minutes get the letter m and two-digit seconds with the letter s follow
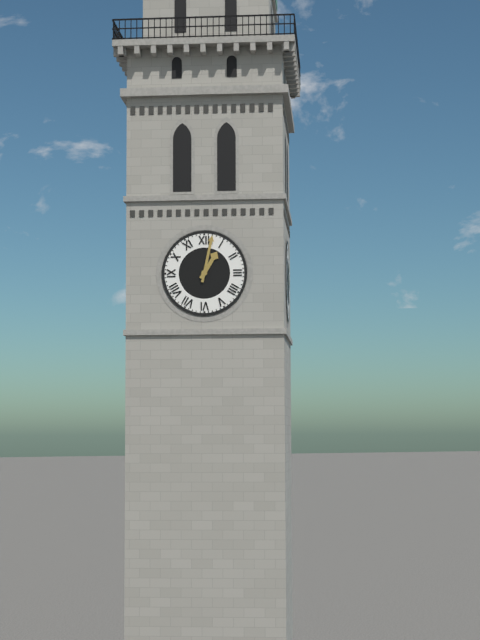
1h02
